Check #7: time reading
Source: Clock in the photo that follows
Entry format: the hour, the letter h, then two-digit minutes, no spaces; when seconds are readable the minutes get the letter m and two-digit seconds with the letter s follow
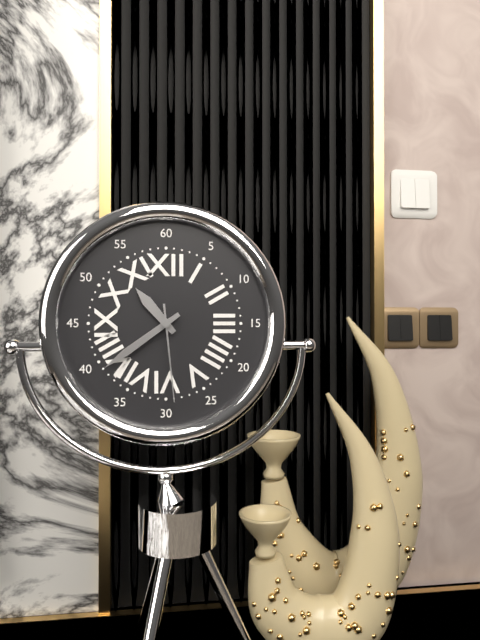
10h39m29s
